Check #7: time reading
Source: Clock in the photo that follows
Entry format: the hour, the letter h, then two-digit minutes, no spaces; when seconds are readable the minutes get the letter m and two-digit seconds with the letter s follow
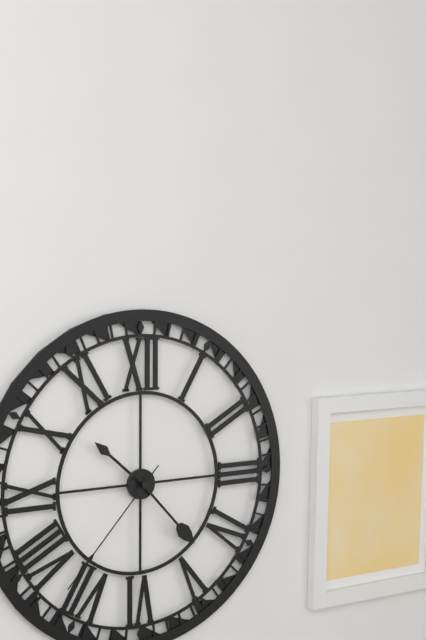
10h23m37s
